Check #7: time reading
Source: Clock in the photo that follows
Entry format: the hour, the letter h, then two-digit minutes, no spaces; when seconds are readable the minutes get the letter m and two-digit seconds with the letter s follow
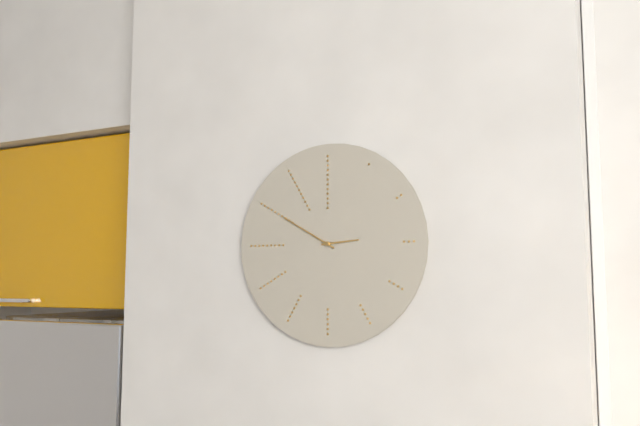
2h50
